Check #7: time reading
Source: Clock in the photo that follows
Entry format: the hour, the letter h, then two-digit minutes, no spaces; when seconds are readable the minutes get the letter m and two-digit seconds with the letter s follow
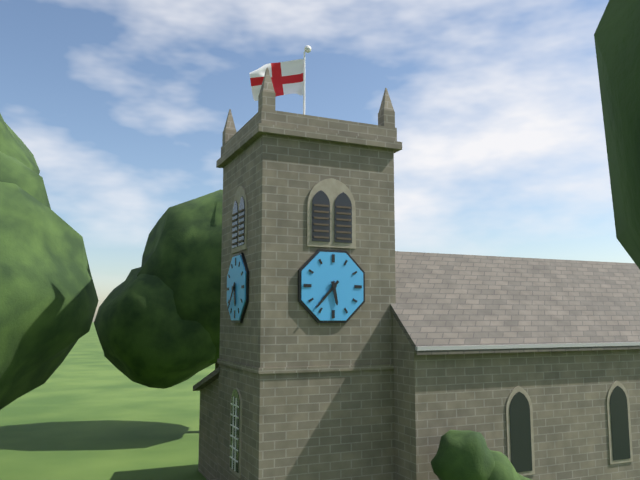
5h37
